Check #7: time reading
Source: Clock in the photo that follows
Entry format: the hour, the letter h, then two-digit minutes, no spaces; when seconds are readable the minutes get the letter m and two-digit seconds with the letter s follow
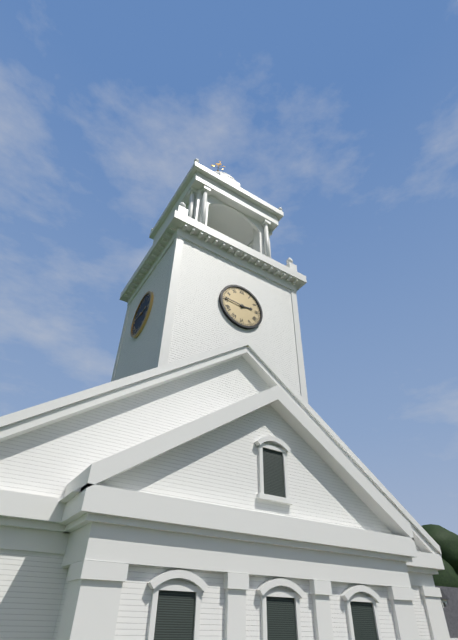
2h46
